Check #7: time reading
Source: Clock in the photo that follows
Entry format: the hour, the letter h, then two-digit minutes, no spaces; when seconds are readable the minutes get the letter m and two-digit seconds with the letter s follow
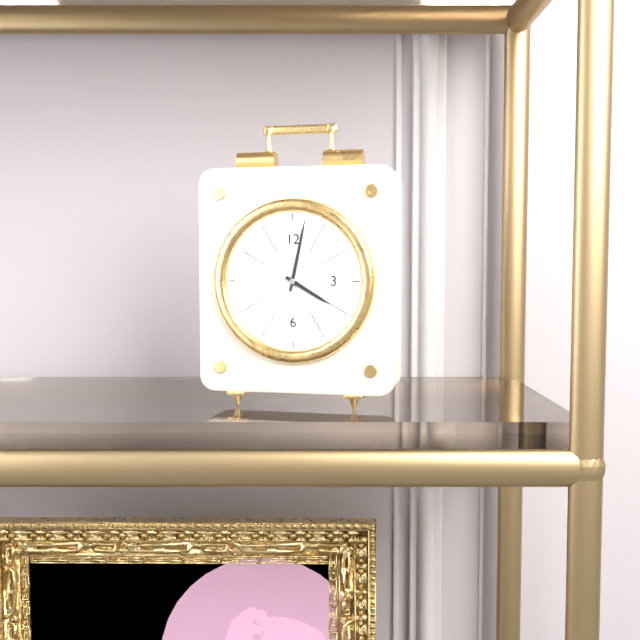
4h02
